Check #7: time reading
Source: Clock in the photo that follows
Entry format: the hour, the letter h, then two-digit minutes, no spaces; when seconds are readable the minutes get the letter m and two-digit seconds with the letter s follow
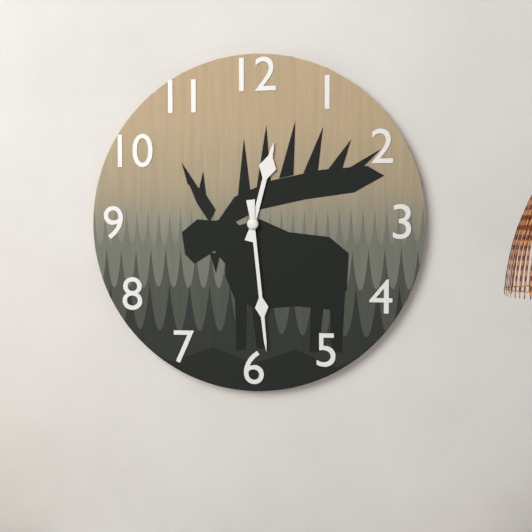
12h29
